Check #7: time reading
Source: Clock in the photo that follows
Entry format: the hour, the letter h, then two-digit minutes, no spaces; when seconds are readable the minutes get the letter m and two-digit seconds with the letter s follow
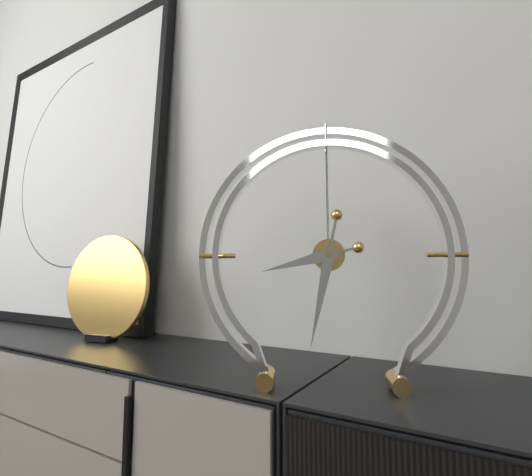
8h32
